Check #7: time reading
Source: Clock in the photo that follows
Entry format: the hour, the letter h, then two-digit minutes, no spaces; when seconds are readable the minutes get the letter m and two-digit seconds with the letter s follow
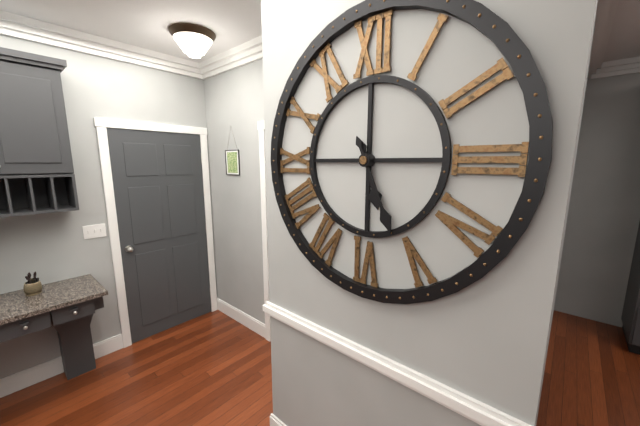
5h26
